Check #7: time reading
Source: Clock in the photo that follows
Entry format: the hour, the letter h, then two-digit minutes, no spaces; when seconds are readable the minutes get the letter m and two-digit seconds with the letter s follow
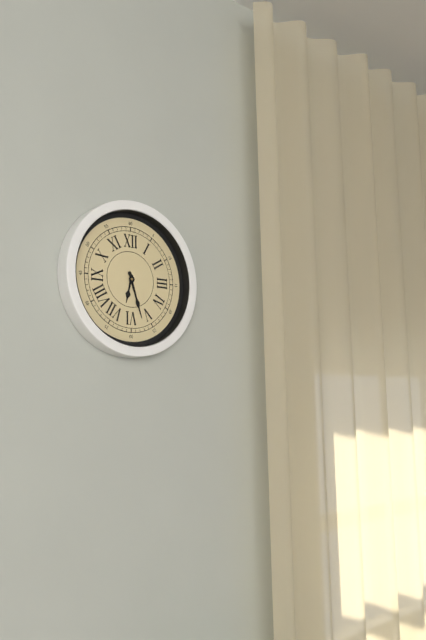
6h27
